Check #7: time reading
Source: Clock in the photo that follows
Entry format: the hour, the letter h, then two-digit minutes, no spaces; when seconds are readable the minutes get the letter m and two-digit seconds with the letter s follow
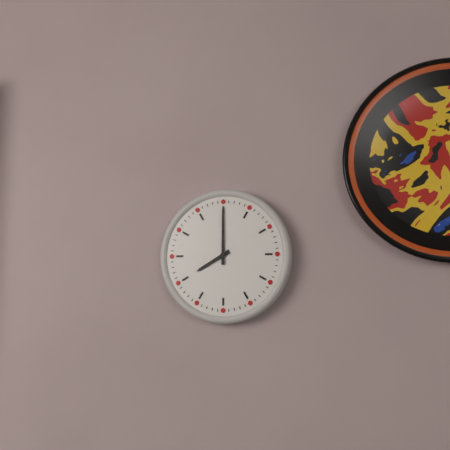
8h00
